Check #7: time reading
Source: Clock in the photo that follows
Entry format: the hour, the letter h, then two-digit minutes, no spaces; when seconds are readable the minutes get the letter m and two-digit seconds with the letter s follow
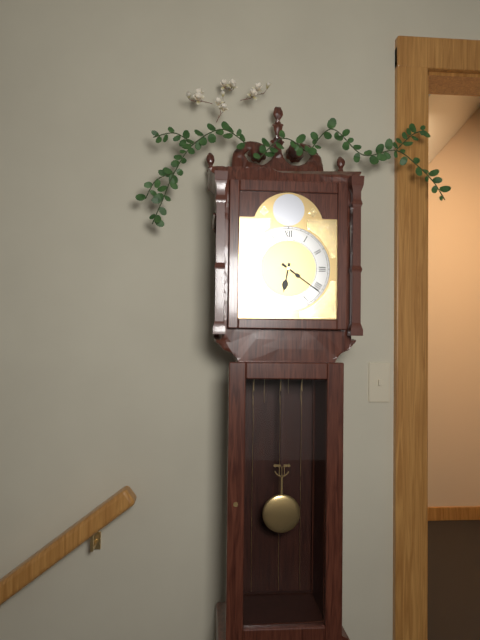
6h21
